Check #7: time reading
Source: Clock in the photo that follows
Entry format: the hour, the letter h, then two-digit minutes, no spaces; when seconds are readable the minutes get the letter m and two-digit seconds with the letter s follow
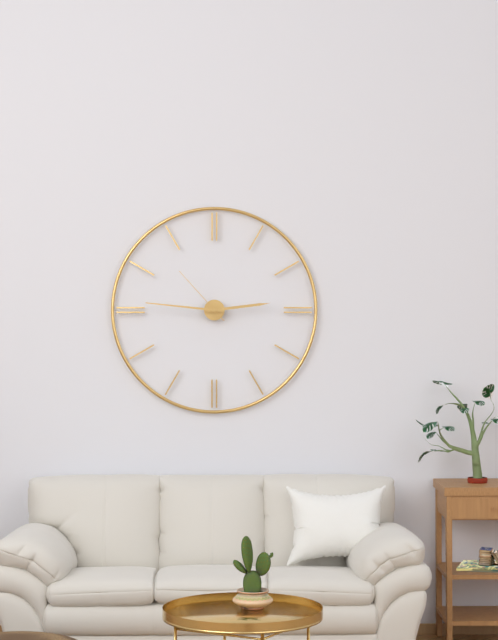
2h46m53s
